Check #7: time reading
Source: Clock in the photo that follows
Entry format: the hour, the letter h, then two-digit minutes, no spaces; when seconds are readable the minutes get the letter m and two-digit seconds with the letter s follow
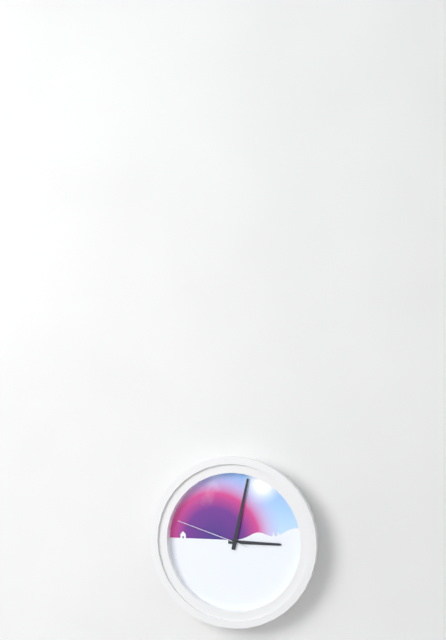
3h02m48s
